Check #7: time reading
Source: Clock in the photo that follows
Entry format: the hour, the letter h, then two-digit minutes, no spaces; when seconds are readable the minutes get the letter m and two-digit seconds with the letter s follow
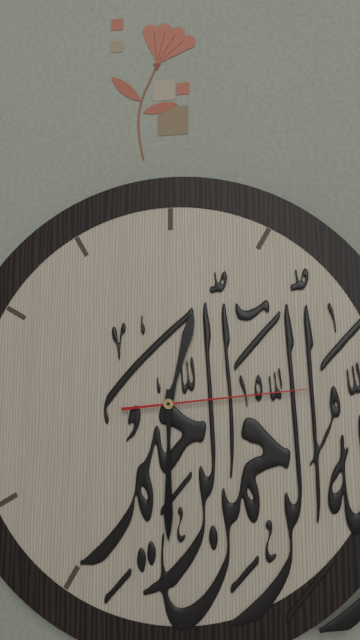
12h30m14s
